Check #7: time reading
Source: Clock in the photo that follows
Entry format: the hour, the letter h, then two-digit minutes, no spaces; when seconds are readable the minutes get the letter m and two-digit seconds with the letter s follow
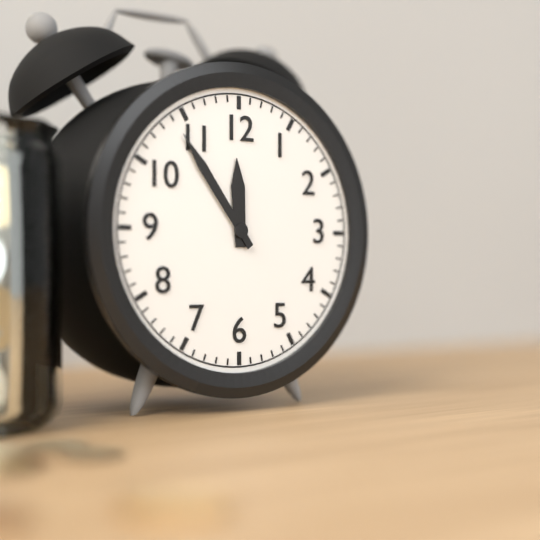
11h54
